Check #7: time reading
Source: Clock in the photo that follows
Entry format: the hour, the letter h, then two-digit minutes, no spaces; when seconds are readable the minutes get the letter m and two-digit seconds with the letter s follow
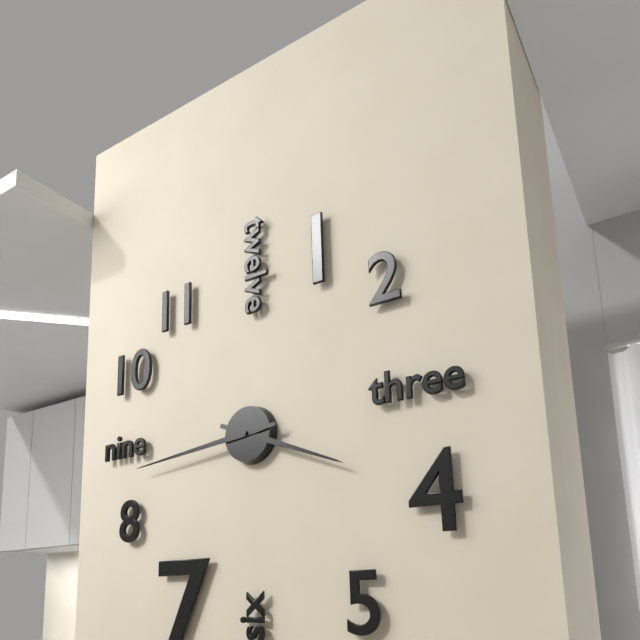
3h44
